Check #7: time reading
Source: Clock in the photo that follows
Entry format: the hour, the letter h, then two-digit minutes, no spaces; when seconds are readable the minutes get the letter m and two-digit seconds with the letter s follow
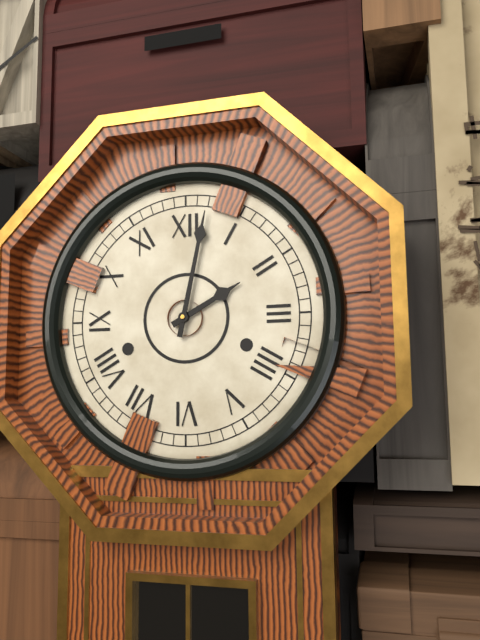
2h02
